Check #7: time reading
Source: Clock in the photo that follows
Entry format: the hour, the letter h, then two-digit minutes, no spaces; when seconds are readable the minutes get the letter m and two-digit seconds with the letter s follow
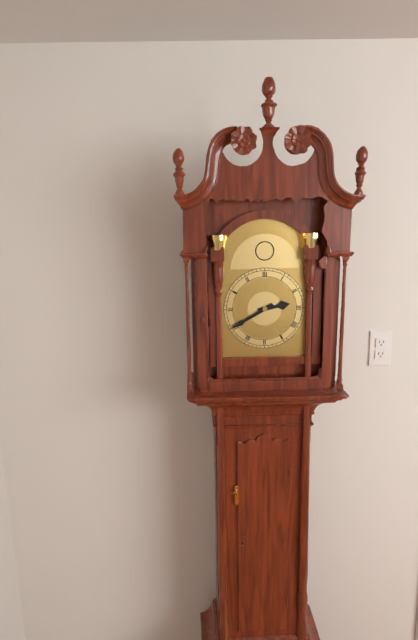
2h40
